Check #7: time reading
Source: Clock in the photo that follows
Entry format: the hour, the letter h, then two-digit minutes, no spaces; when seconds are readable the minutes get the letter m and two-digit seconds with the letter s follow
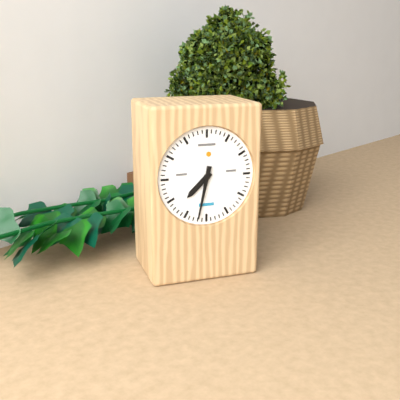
7h32
